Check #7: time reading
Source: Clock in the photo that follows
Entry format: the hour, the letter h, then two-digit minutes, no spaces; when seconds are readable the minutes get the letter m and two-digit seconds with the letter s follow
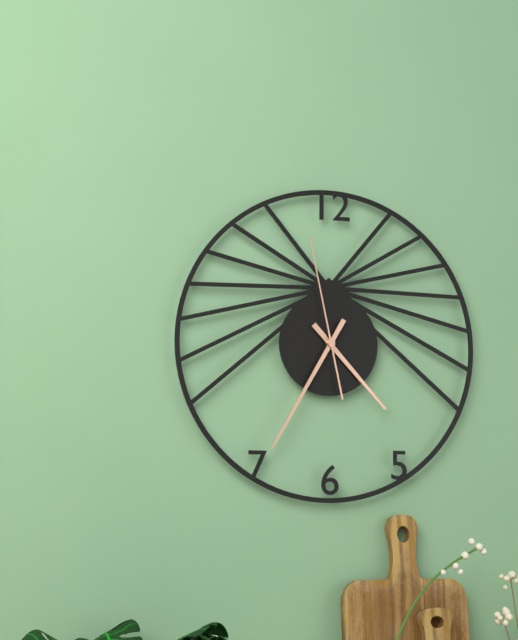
4h35m58s
